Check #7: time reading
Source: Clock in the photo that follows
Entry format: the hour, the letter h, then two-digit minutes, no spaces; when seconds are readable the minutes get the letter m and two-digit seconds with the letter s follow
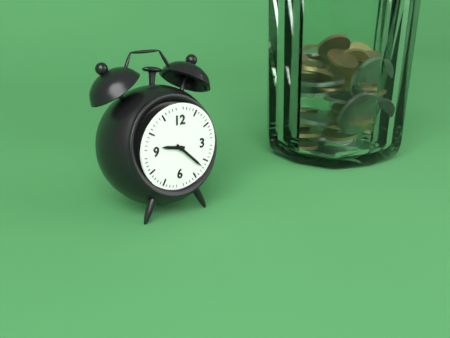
9h22
